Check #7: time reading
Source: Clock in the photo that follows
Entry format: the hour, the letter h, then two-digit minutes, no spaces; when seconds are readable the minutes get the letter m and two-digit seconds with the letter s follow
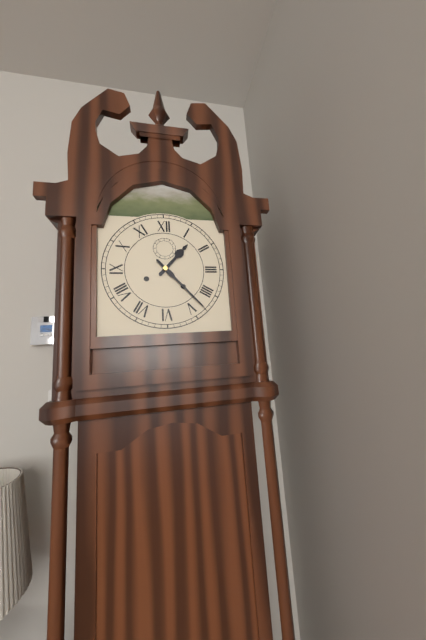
1h23
